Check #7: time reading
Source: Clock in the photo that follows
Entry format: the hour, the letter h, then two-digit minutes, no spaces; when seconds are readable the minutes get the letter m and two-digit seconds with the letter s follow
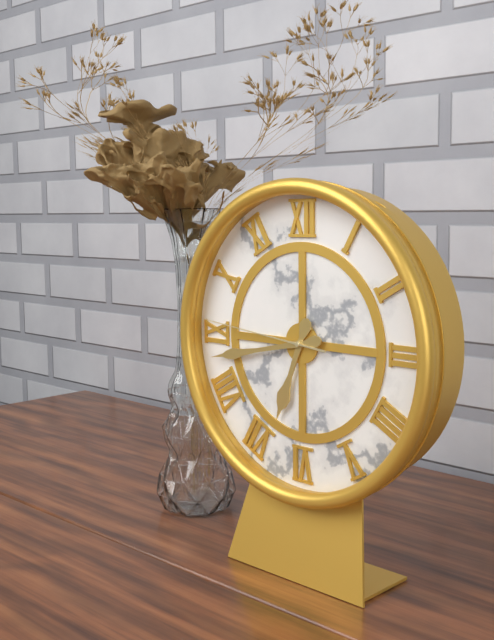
6h43m46s
